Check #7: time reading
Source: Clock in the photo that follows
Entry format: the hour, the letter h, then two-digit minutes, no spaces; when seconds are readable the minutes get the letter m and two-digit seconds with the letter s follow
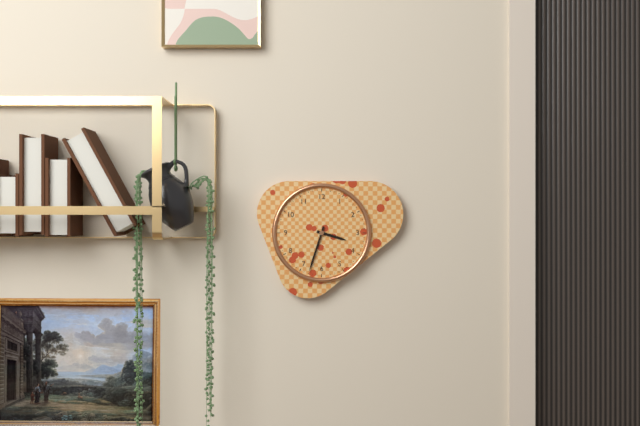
3h33
